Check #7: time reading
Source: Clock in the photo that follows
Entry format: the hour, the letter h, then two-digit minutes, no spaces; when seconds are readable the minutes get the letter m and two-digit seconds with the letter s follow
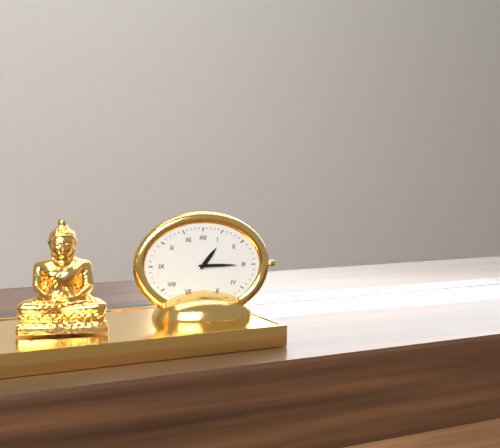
1h15
